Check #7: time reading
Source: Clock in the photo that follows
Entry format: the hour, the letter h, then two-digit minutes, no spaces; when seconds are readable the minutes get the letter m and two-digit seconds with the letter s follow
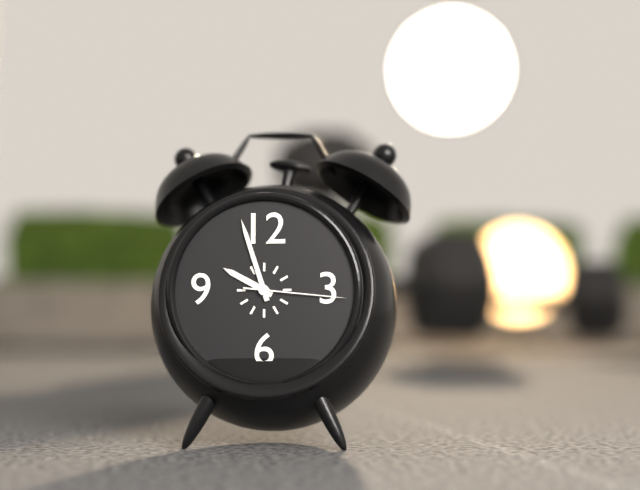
9h57m16s
